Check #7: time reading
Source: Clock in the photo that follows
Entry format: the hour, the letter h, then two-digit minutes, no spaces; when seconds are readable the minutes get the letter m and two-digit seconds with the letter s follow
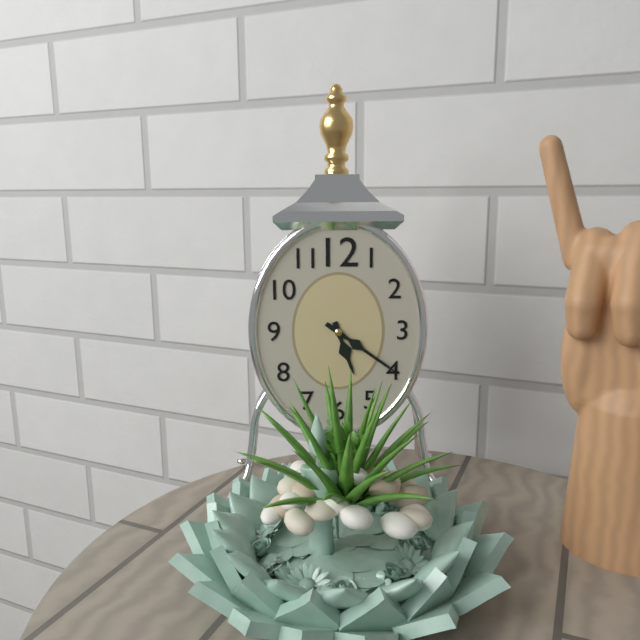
5h21
